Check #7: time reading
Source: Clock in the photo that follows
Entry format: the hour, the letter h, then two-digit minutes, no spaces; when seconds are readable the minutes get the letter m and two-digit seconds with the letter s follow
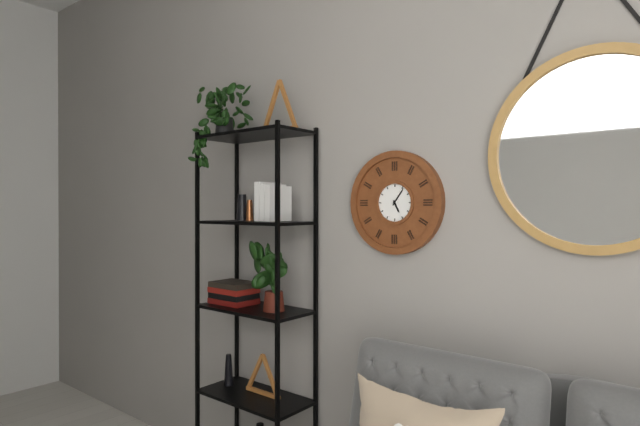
5h06
